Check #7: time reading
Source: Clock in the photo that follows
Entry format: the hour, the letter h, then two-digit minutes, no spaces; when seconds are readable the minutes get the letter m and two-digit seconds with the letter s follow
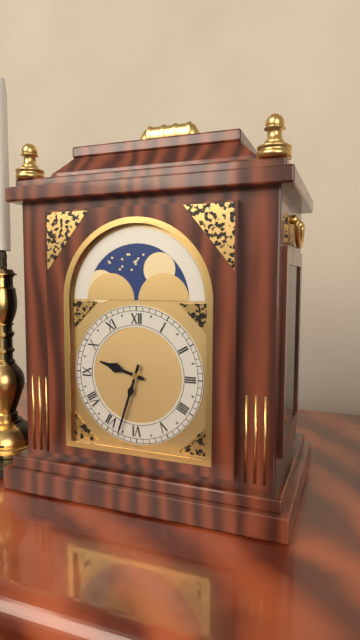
9h33
